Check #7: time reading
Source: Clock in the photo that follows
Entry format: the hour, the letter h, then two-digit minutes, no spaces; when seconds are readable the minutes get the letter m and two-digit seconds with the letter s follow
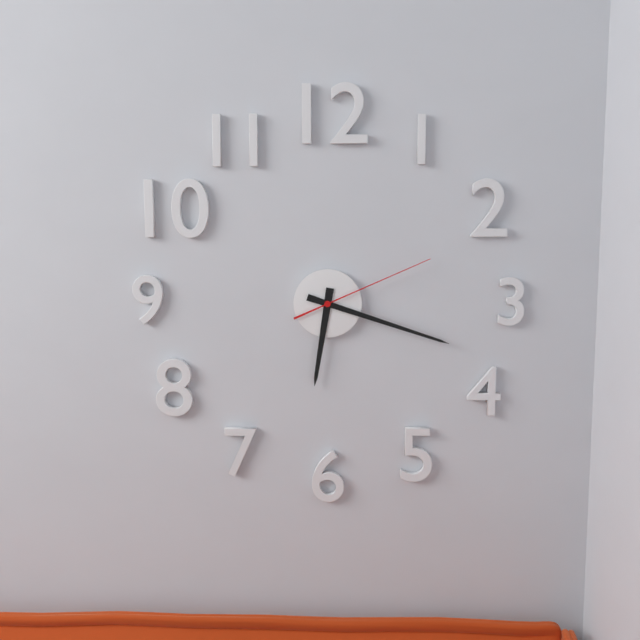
6h18m11s
